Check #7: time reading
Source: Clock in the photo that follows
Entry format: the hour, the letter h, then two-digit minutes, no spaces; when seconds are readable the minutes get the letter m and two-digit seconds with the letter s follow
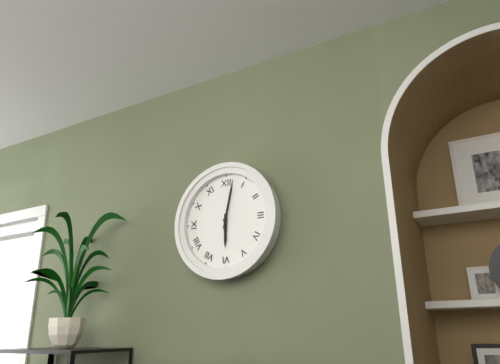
6h02
